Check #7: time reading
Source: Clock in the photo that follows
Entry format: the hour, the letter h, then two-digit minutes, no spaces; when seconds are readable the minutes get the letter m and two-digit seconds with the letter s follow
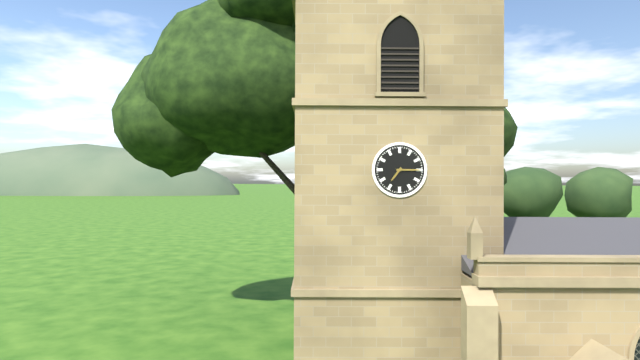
7h15
